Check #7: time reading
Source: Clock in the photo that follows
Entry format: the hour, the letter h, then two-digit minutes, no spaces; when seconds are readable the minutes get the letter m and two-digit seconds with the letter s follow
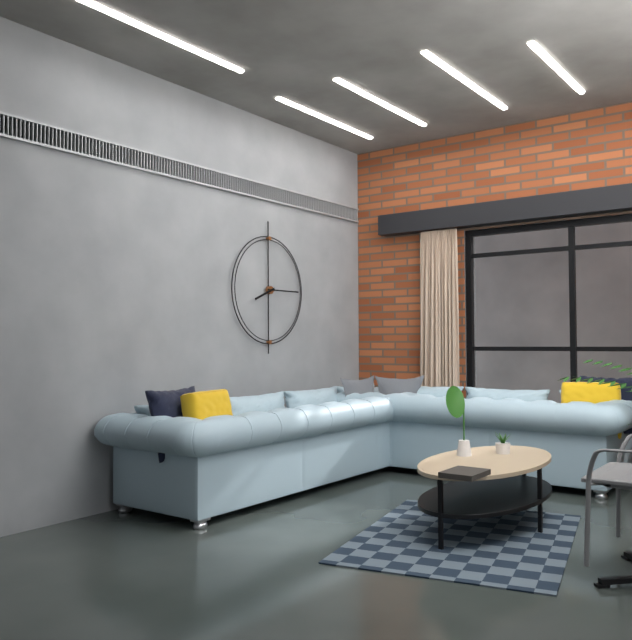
8h15
